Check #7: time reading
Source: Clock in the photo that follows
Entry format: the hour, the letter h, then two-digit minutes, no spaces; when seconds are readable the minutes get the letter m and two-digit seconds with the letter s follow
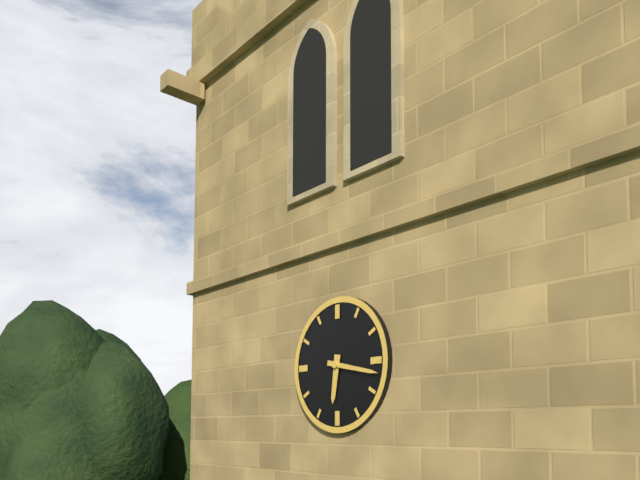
6h17
